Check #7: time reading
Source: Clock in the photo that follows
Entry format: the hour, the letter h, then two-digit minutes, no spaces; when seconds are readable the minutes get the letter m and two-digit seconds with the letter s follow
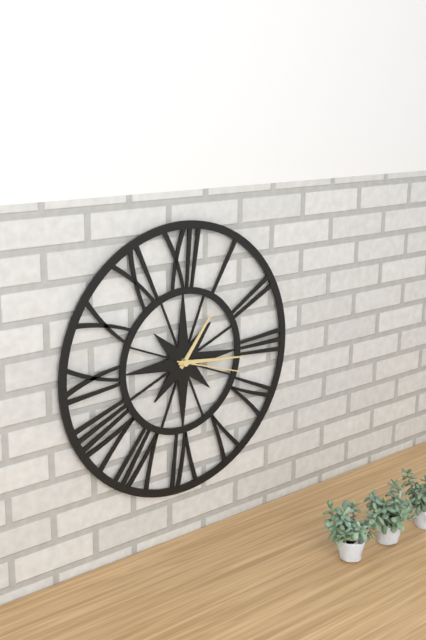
1h16m18s
